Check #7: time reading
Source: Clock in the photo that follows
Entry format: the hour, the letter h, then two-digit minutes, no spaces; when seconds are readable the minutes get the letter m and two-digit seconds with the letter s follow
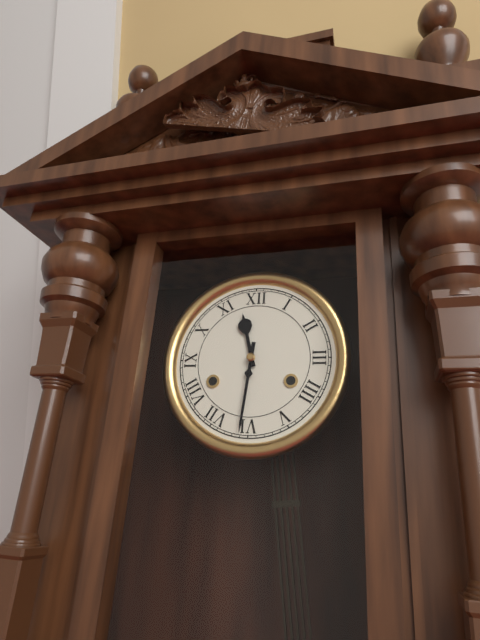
11h31
